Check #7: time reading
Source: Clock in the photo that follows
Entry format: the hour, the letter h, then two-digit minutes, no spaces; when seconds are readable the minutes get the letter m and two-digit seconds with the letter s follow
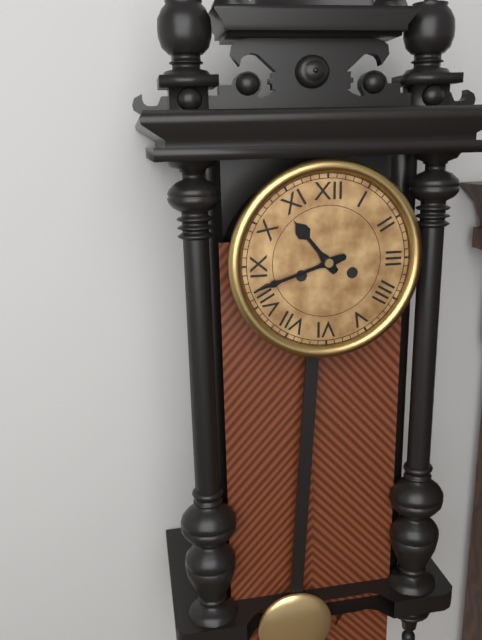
10h42
